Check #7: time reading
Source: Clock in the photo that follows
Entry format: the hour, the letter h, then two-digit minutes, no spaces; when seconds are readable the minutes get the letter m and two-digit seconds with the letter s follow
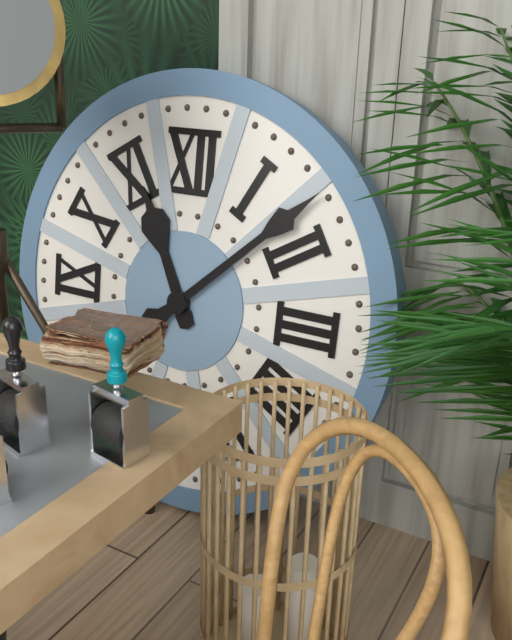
11h08
